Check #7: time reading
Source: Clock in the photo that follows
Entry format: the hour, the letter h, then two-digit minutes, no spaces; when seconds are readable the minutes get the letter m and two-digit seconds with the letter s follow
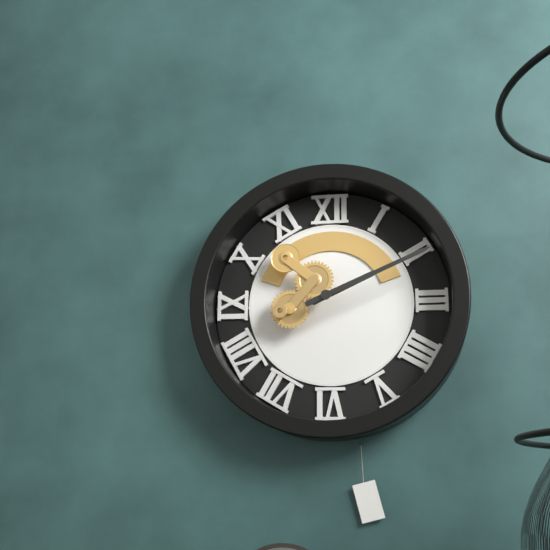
2h11
